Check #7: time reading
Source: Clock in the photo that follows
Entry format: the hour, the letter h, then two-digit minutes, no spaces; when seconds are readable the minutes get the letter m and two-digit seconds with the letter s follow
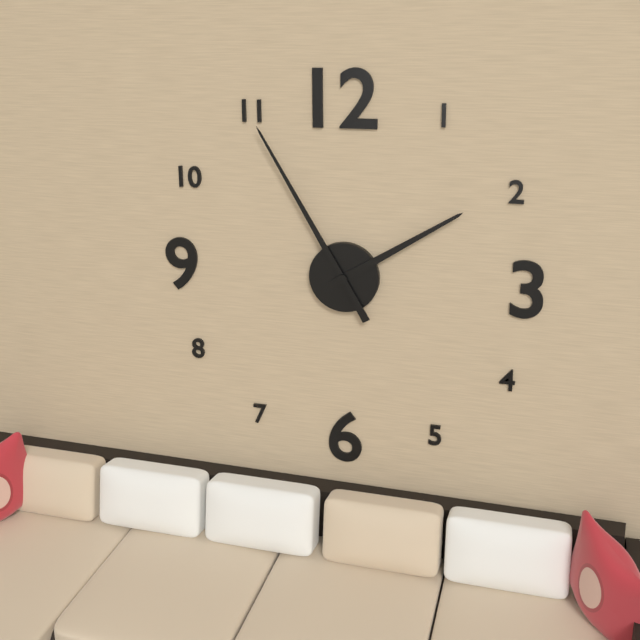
1h55
